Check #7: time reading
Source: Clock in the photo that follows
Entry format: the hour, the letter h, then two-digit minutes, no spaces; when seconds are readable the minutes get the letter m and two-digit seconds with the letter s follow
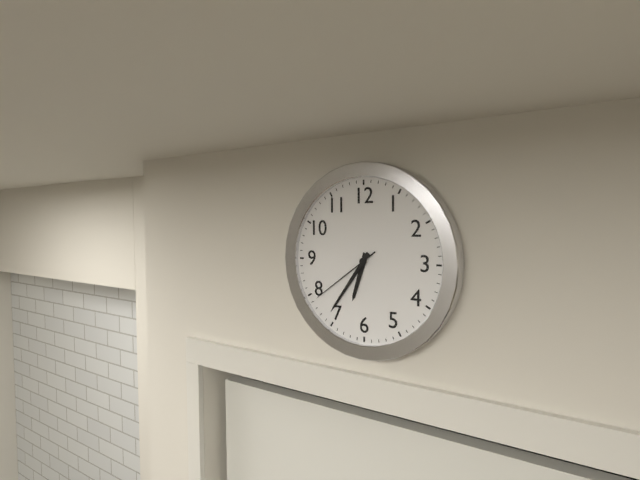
6h36m39s
